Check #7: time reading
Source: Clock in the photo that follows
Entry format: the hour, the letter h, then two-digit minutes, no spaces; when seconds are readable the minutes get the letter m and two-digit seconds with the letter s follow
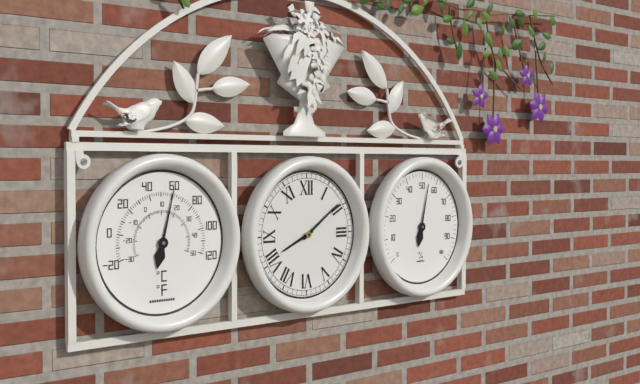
8h09
